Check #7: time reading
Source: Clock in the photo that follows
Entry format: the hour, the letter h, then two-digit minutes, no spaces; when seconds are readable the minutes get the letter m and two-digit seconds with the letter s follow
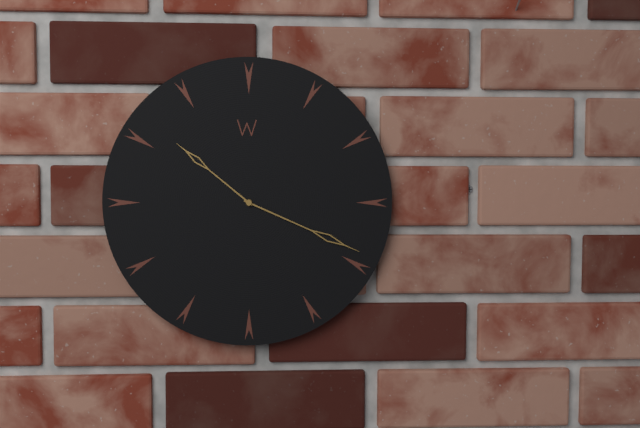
10h19
